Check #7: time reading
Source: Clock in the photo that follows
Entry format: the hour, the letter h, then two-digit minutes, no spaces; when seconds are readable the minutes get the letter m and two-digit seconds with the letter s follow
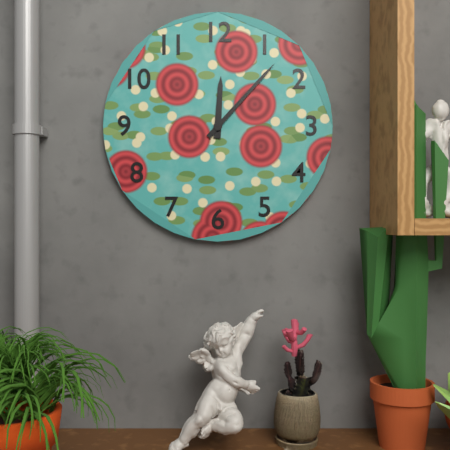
12h07
